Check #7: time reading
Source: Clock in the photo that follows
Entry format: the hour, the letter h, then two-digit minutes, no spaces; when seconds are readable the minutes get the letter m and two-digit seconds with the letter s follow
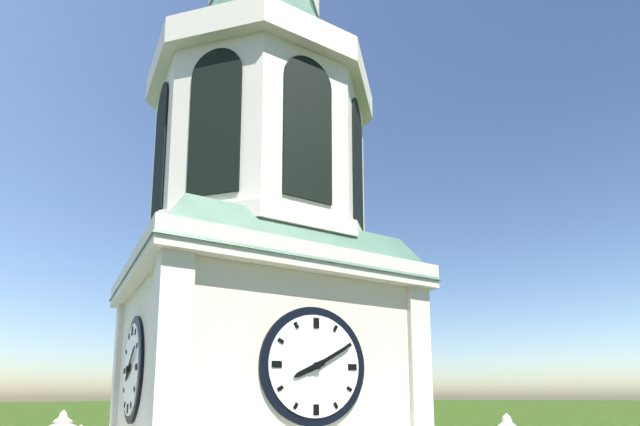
8h10
